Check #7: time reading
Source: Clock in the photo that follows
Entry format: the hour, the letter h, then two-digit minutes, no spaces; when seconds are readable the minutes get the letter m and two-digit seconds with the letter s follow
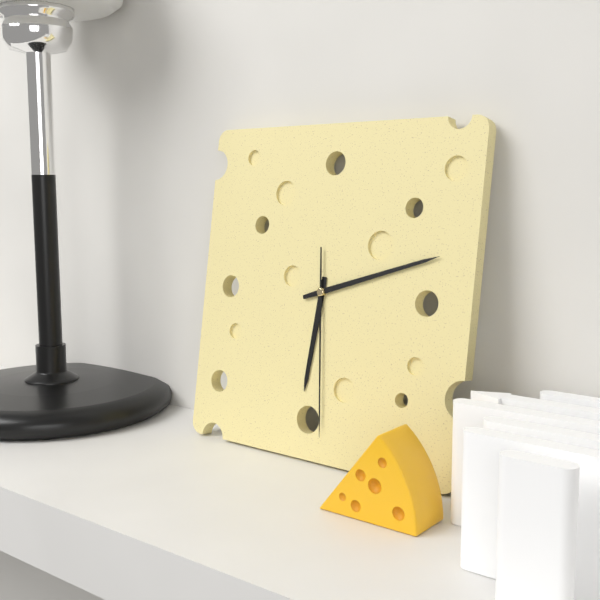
6h12m29s
